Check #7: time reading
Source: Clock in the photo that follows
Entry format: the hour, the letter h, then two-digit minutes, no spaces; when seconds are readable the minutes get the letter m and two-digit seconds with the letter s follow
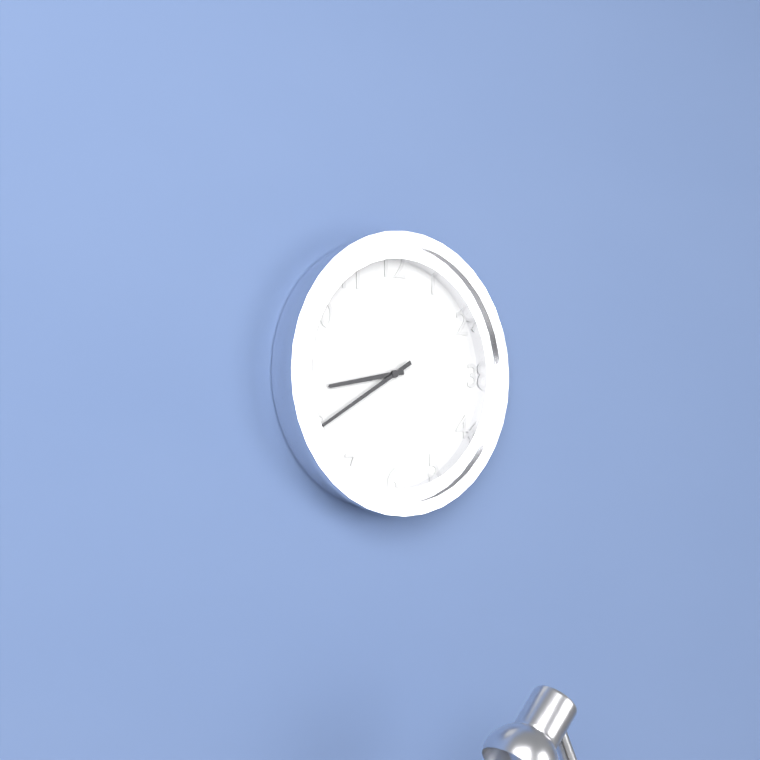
8h40
